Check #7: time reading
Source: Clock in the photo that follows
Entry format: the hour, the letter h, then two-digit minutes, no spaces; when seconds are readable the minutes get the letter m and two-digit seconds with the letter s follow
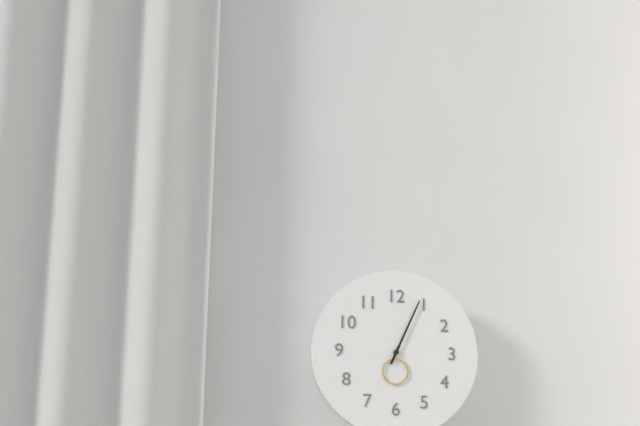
6h04
